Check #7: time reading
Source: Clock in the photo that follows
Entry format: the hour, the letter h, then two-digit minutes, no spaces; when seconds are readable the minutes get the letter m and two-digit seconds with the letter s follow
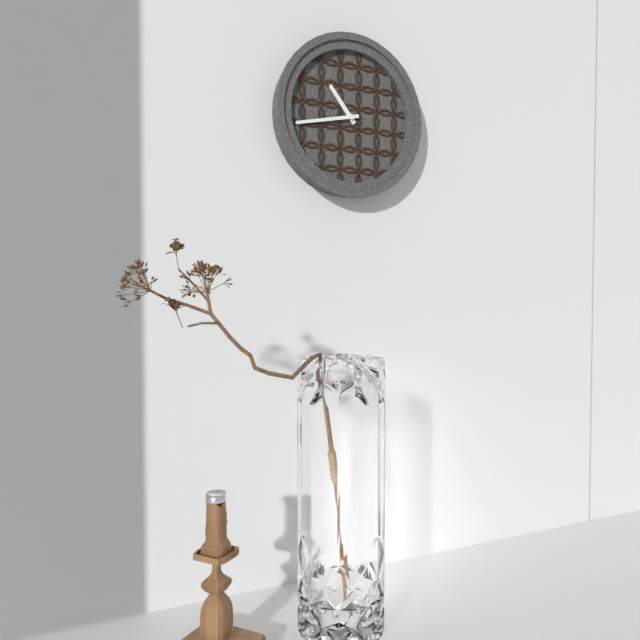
10h43
